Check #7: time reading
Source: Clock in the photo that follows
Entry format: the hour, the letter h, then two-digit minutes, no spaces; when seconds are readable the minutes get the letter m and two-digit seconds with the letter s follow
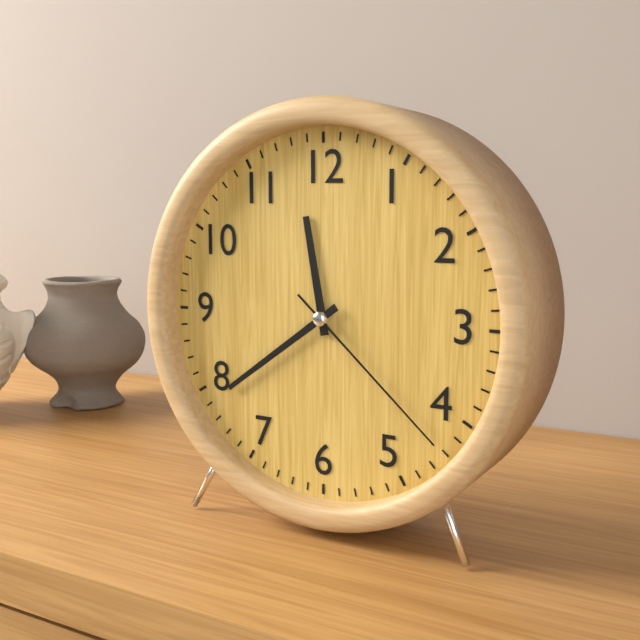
11h39m22s
